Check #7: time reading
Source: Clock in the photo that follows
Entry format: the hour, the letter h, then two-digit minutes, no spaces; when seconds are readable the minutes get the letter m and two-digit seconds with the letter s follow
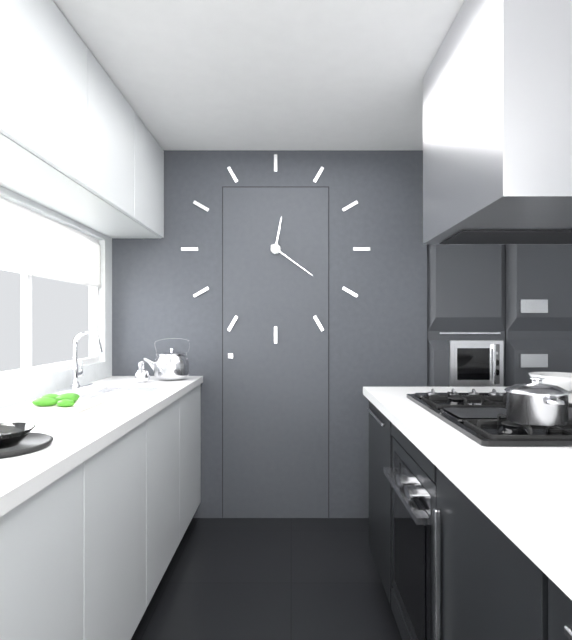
12h21
